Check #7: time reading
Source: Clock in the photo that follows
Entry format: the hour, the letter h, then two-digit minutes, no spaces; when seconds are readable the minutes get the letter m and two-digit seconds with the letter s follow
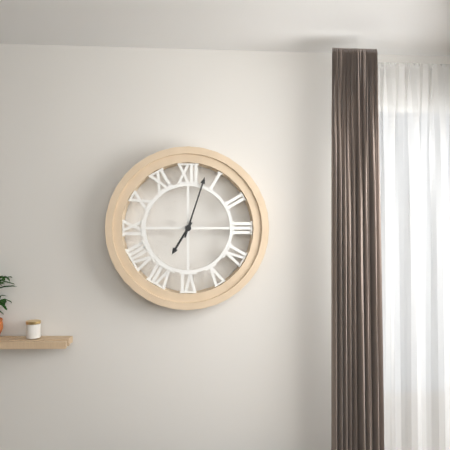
7h03
